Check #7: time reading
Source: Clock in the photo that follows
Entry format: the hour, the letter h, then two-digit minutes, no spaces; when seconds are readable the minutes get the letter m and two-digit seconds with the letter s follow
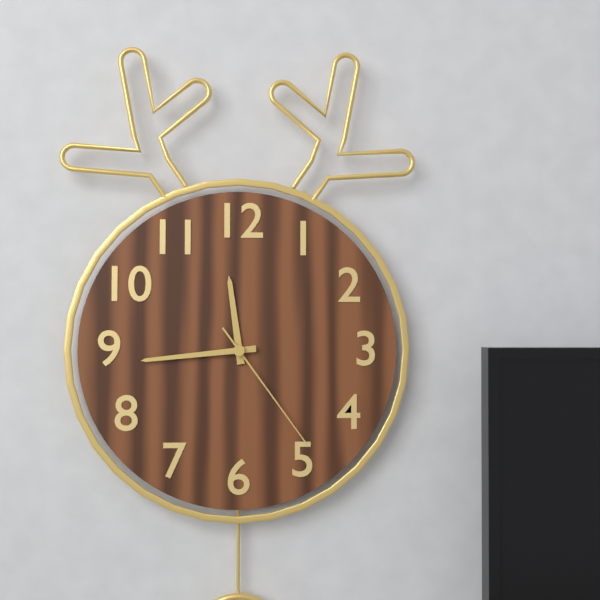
11h44m24s
